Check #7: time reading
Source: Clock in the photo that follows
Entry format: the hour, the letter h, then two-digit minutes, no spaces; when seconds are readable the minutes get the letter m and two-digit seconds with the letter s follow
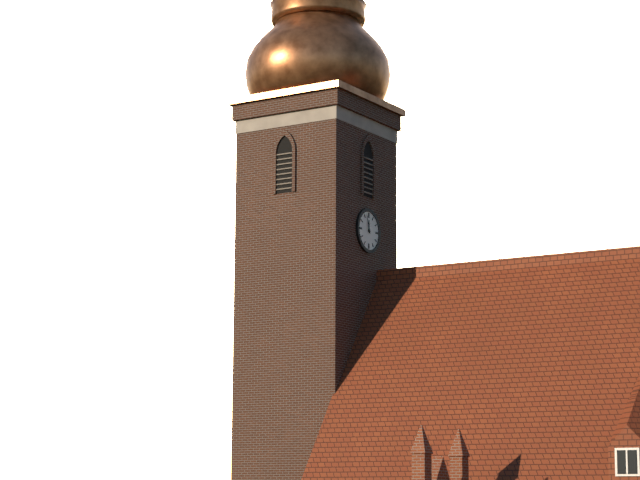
11h57
